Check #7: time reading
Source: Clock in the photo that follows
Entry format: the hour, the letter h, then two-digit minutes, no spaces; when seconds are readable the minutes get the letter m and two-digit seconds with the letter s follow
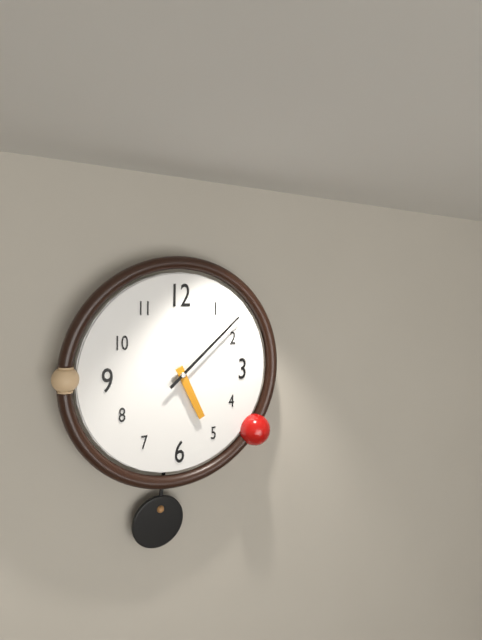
5h08
